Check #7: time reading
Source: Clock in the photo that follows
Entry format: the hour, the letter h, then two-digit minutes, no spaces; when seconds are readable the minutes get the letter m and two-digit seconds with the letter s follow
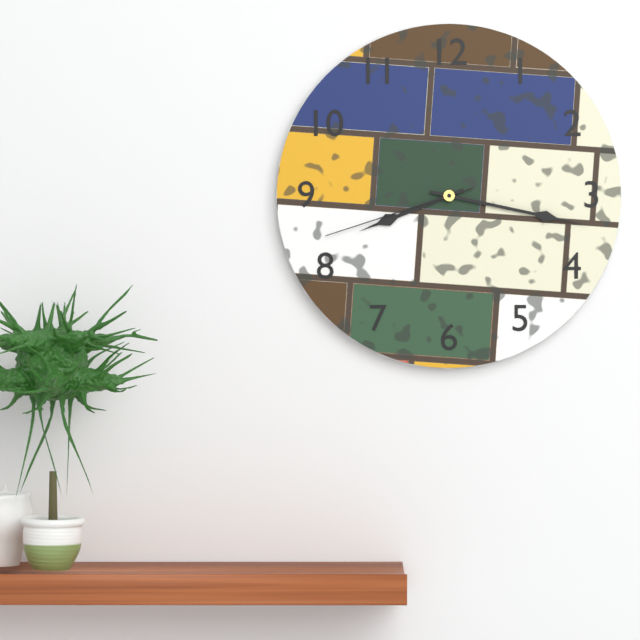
8h17m42s
